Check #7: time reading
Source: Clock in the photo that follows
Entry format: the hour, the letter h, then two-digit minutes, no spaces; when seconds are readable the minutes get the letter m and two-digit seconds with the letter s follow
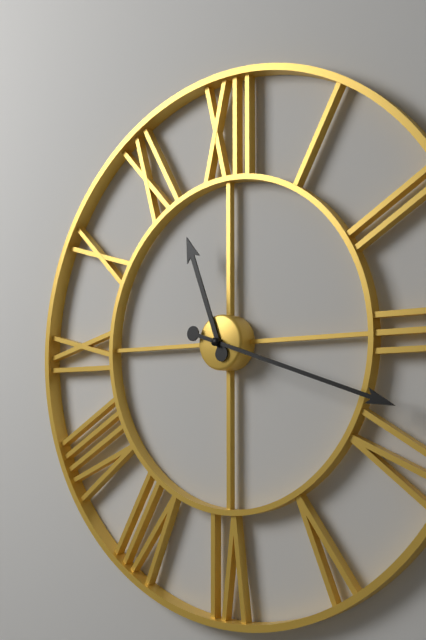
11h18
